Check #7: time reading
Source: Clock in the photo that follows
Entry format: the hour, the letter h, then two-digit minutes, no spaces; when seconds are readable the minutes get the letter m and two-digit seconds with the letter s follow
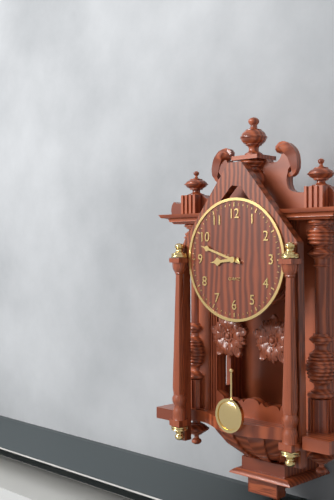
8h48
